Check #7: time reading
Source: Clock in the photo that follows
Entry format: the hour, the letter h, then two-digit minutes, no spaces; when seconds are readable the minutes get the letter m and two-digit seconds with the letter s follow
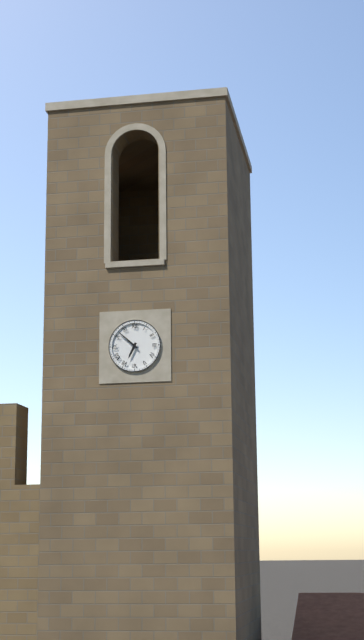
6h52
